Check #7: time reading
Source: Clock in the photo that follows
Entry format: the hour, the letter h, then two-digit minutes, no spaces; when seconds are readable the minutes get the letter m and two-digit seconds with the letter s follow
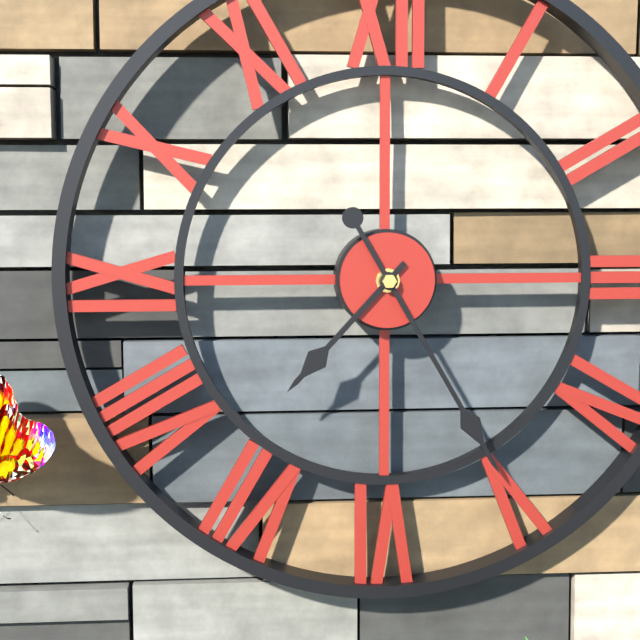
7h25
